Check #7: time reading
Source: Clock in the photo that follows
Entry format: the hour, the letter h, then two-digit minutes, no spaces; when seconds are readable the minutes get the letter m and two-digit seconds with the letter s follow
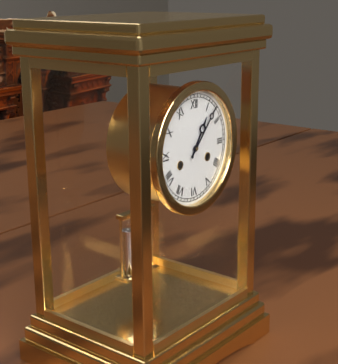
1h07
